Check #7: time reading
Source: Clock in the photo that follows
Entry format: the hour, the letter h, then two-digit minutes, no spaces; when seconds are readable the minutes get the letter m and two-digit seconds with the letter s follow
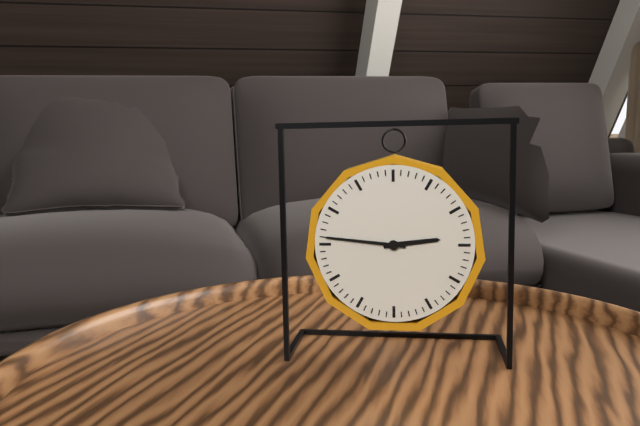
2h46
